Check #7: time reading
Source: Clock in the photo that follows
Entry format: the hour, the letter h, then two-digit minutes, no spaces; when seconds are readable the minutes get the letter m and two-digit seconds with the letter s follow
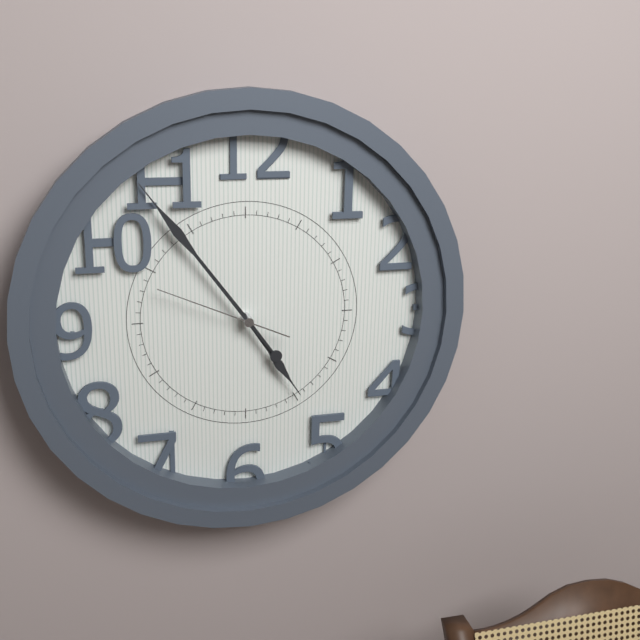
4h54m49s
